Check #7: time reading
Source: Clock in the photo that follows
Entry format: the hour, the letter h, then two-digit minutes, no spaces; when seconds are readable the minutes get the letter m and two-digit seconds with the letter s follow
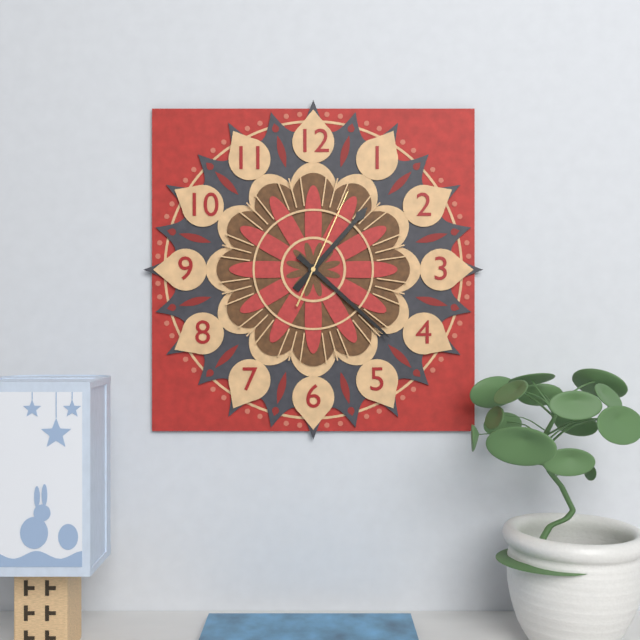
1h22m04s
